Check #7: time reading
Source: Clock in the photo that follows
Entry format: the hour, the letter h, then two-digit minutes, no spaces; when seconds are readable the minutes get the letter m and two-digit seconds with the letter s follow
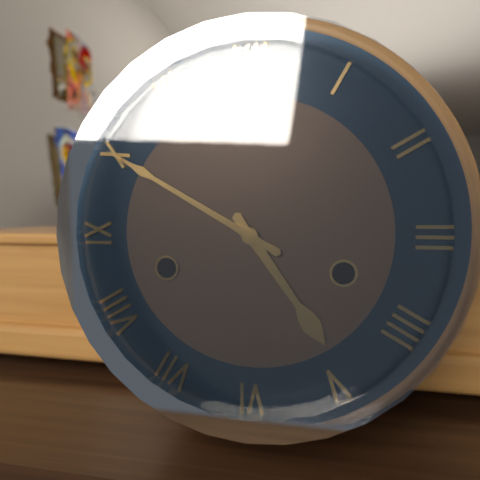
4h50
